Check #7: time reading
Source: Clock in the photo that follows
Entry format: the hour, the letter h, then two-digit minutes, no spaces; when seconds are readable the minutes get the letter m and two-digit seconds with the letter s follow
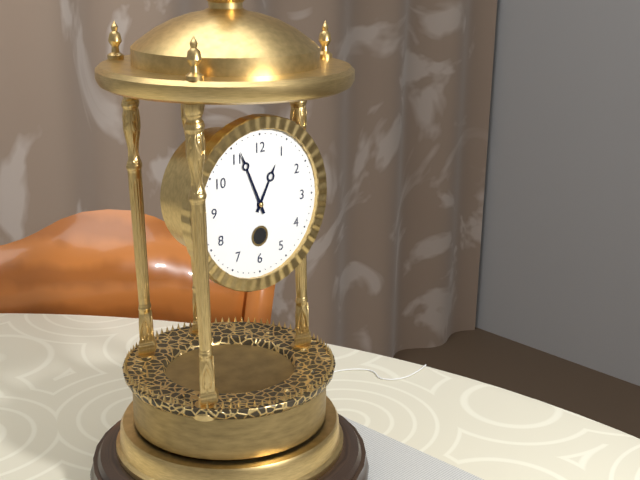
12h56
